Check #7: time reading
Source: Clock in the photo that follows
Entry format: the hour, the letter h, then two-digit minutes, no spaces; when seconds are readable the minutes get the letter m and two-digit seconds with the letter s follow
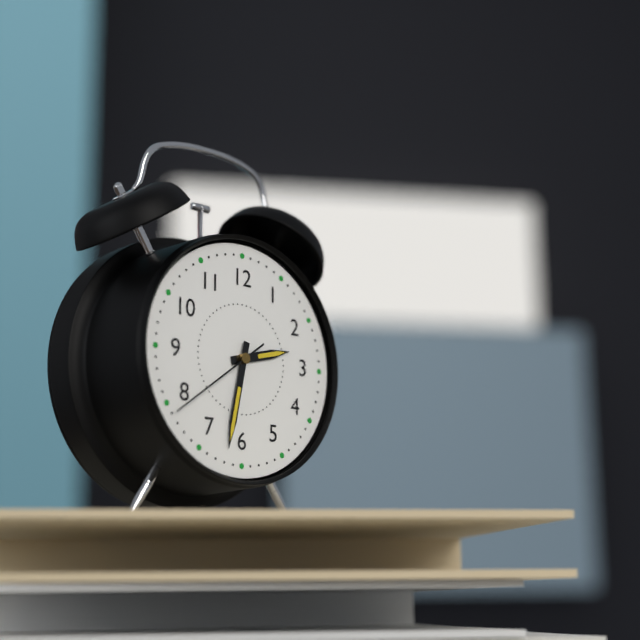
2h32m39s
